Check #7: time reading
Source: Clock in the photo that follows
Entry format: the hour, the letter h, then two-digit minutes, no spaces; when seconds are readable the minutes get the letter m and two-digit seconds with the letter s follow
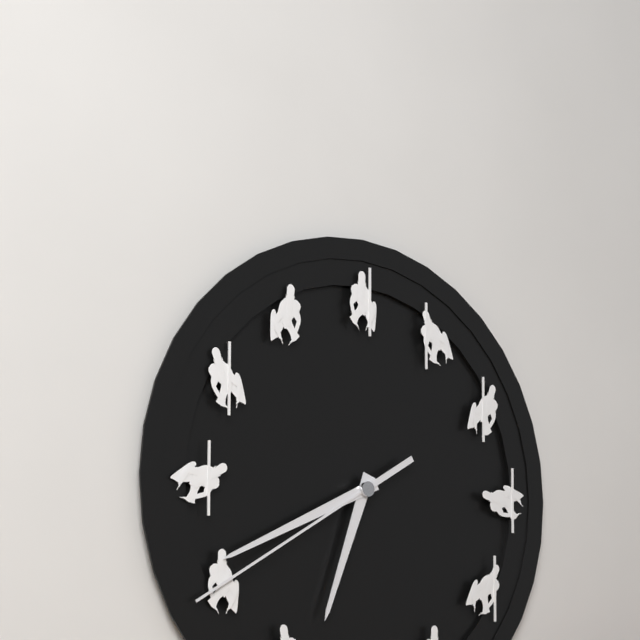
6h41m40s
